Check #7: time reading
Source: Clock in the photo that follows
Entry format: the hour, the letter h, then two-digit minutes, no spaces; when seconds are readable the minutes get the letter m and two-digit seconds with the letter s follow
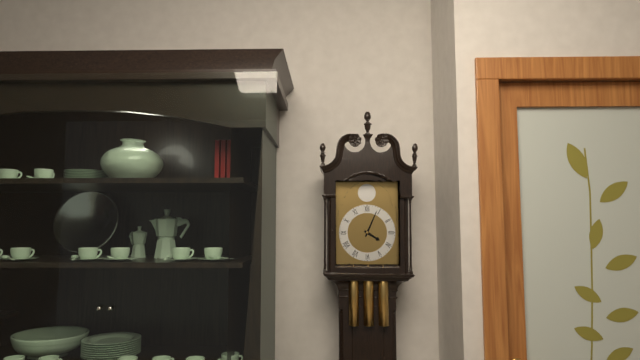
4h04
